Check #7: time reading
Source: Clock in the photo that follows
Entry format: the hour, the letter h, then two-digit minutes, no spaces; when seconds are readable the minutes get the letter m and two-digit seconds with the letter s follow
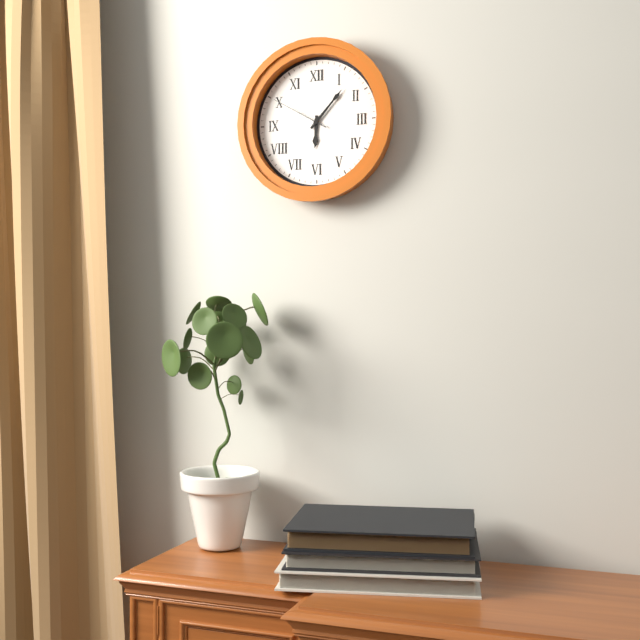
6h07m50s
